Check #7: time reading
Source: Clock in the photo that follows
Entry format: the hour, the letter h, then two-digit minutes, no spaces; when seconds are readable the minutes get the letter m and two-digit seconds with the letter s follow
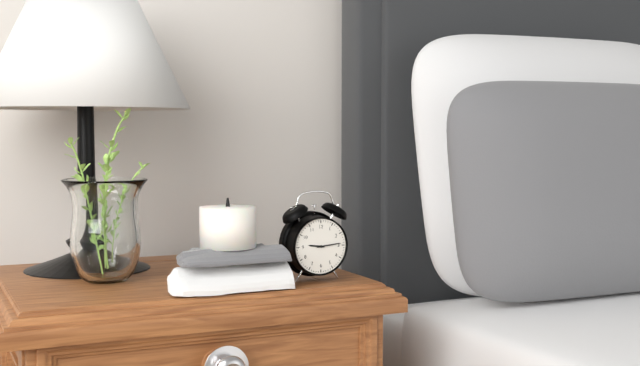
9h14
